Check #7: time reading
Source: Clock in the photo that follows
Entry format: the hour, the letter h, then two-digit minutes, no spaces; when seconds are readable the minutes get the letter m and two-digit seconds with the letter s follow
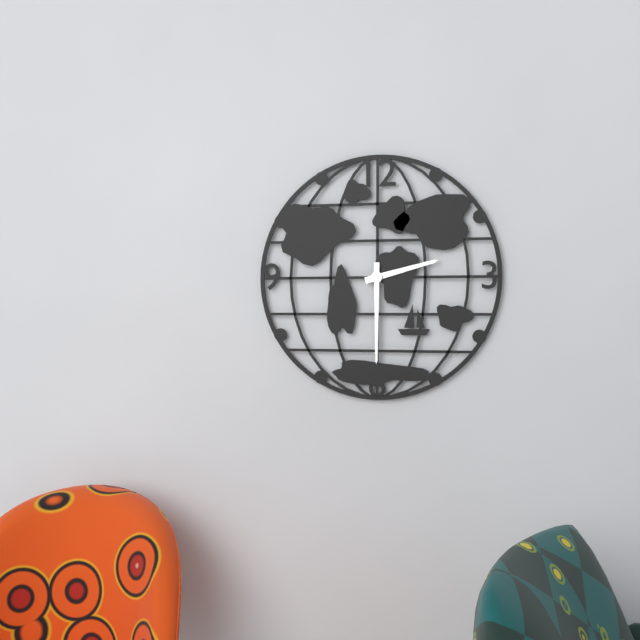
2h30
